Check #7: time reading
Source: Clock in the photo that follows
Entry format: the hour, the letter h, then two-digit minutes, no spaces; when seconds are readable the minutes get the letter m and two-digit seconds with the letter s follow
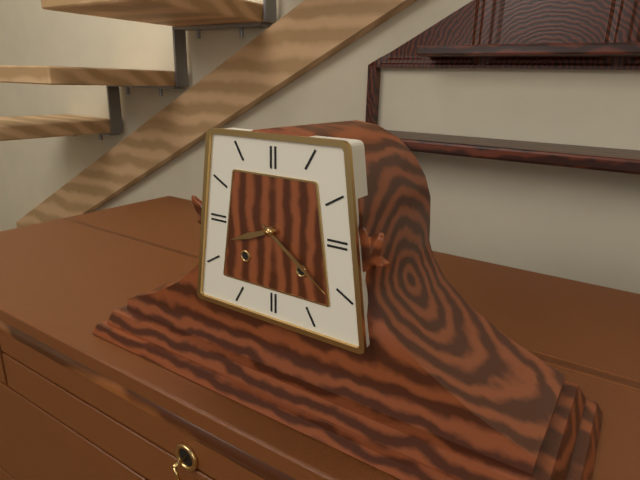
8h21
